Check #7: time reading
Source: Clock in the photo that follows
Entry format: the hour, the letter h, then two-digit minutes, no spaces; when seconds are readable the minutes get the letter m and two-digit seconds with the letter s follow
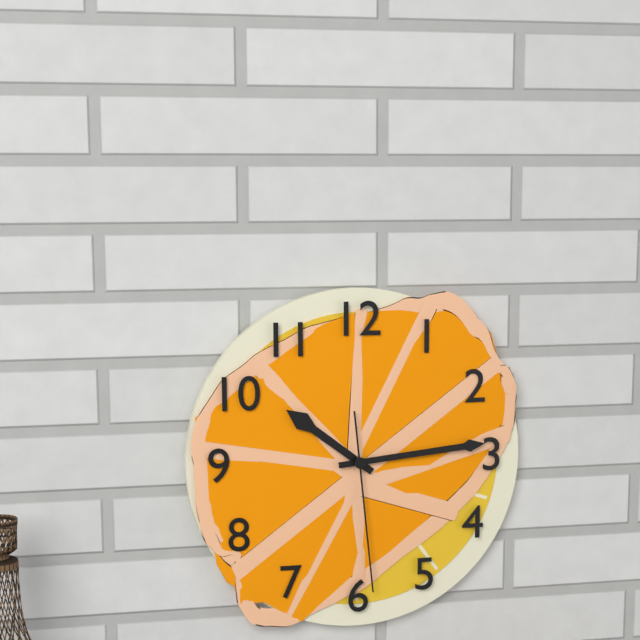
10h14m29s
